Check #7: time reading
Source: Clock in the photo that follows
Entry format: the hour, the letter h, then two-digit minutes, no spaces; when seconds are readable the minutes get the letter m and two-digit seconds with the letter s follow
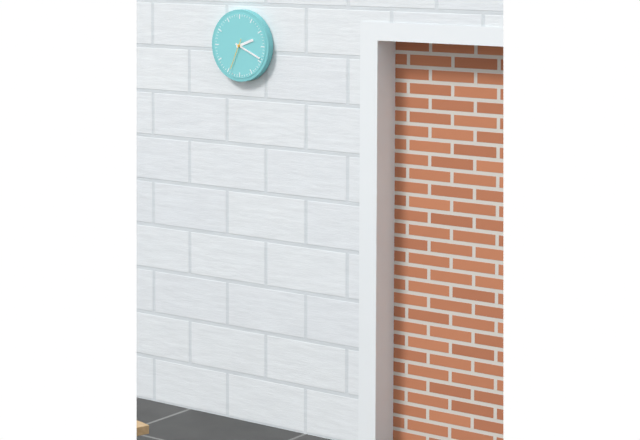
2h19
